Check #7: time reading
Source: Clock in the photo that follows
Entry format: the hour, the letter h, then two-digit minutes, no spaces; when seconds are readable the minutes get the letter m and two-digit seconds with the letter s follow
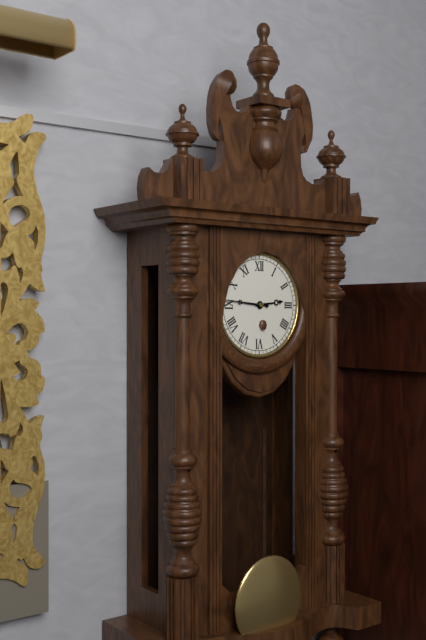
2h46
